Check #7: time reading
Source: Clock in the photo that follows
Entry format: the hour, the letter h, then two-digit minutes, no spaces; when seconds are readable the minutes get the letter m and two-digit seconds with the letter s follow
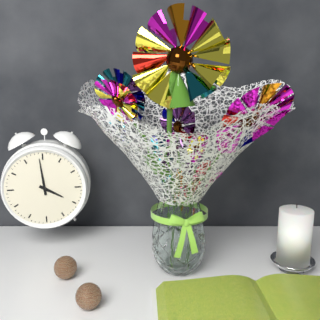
3h59
